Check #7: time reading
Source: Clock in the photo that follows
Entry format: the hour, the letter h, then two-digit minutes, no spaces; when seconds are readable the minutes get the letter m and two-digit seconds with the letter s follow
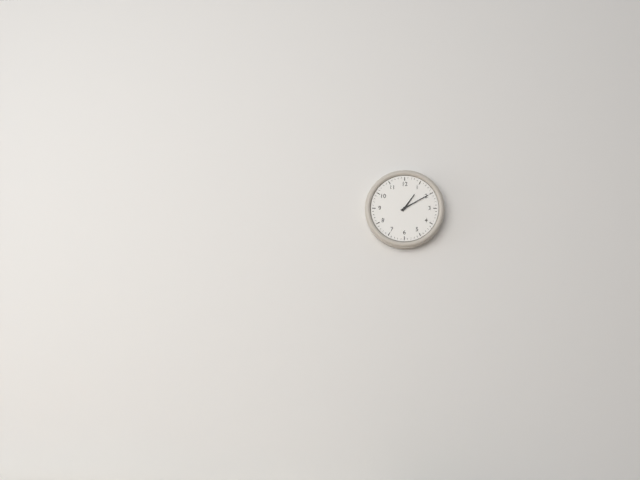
1h10
